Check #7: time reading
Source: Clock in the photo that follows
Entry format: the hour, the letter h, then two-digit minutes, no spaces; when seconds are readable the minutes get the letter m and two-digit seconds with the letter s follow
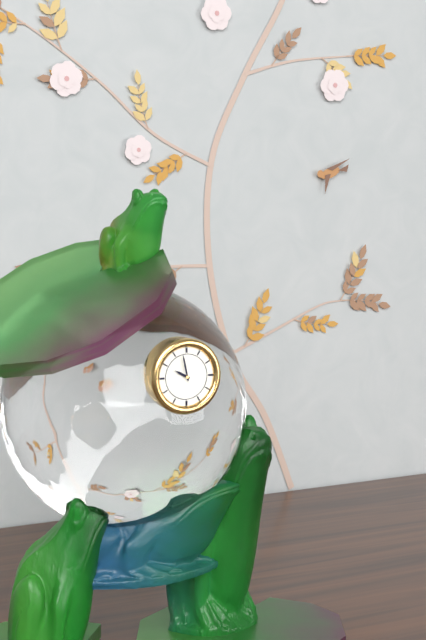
9h58
